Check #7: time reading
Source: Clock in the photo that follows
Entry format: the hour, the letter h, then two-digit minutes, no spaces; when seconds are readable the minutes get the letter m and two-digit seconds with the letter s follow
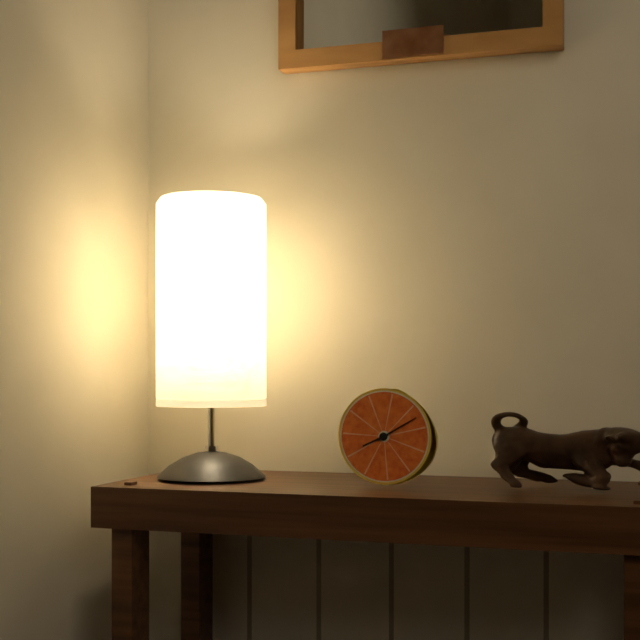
8h10
